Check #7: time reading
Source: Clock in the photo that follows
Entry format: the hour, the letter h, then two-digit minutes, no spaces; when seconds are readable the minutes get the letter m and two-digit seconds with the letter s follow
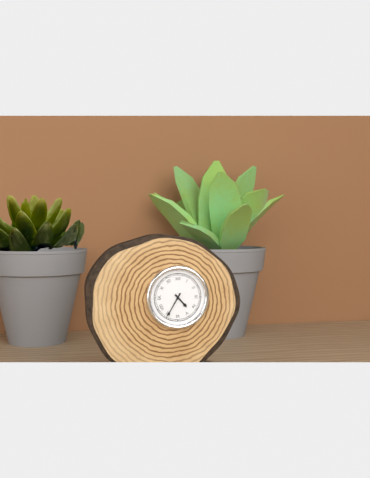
4h35
